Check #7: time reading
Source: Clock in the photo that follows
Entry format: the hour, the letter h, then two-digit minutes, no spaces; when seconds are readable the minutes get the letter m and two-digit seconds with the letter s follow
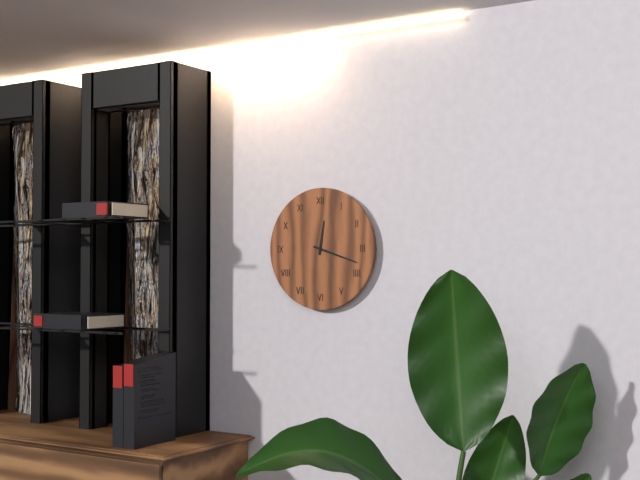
12h18
